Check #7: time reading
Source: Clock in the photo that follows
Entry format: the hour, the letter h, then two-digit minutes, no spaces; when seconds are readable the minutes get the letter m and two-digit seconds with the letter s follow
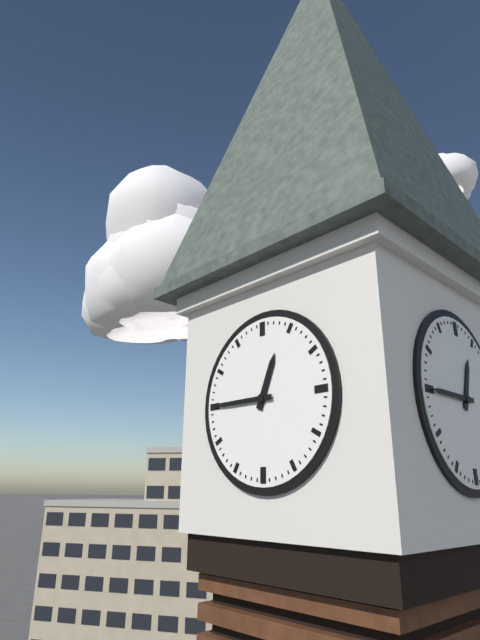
12h45
